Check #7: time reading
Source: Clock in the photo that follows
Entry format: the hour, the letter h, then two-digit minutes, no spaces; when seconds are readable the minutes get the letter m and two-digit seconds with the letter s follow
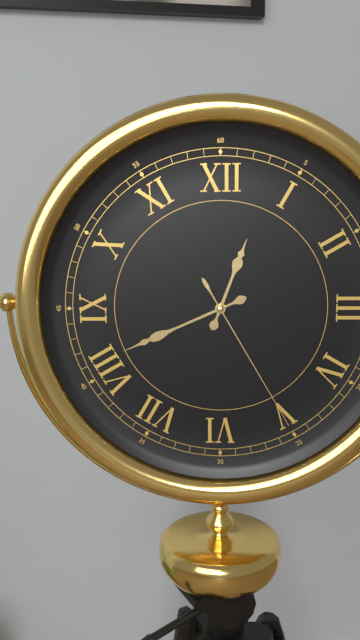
12h41m25s
